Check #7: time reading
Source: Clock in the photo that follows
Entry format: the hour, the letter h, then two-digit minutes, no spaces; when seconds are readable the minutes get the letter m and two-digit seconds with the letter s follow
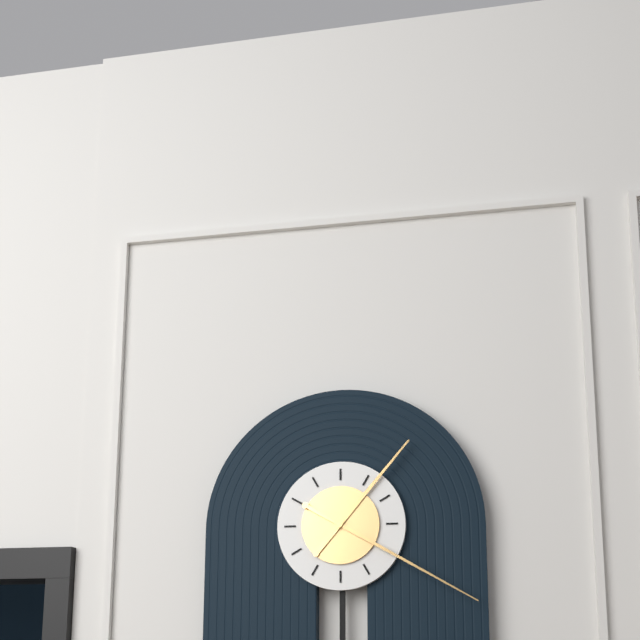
1h20
